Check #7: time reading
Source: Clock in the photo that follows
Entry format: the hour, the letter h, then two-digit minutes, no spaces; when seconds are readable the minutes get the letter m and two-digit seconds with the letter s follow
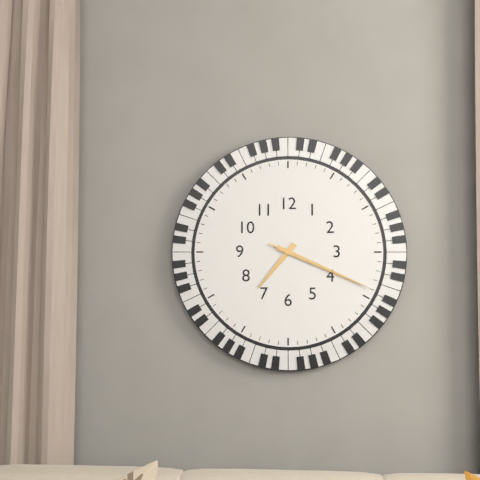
7h19m19s
